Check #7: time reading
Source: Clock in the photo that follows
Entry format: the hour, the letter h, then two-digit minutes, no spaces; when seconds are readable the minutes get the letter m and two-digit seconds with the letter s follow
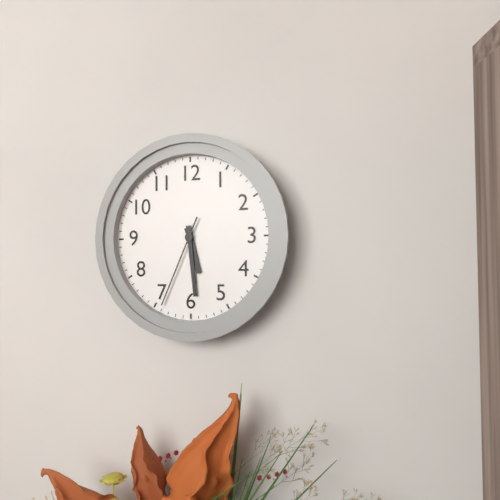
5h29m34s
